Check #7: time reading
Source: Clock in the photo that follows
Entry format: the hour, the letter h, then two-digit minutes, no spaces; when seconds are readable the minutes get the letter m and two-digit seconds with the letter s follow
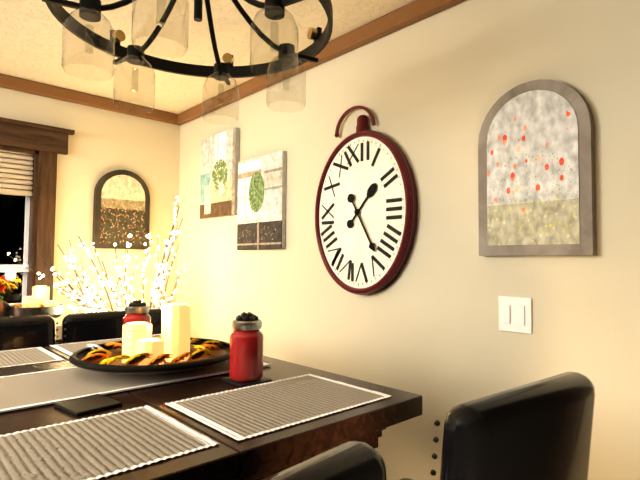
1h25
